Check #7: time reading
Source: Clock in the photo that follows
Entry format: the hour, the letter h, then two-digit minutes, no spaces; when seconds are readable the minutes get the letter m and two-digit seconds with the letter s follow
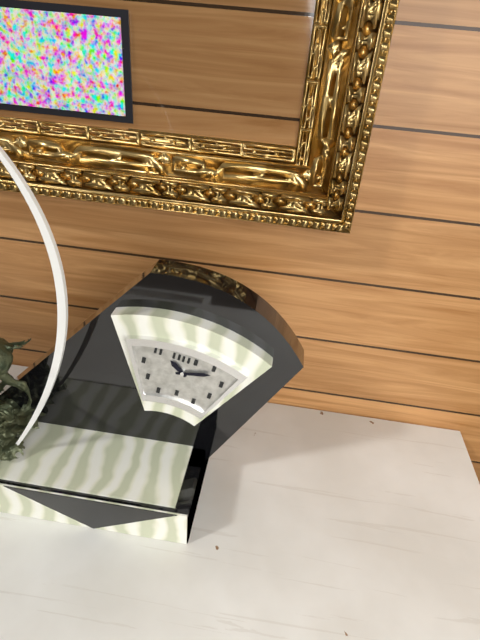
10h12
